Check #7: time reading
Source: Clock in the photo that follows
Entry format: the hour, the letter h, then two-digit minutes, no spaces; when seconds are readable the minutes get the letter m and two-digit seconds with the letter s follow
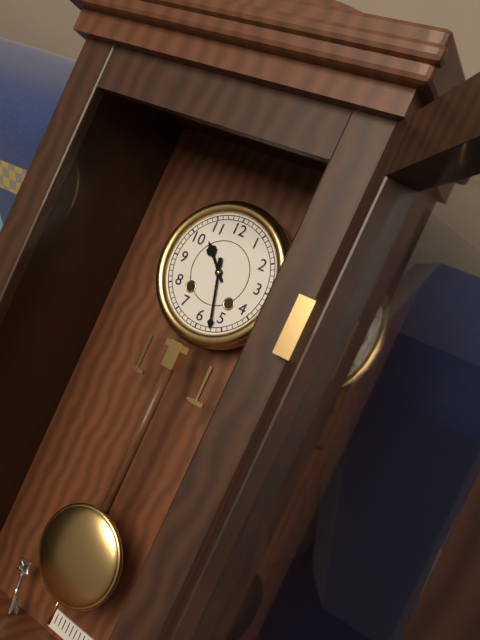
10h27
